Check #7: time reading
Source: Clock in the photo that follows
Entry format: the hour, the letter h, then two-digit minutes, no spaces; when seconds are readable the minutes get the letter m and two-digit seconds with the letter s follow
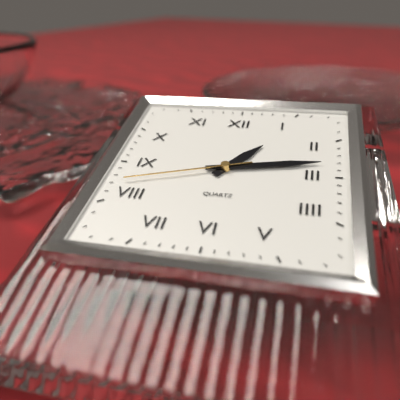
1h13m42s
